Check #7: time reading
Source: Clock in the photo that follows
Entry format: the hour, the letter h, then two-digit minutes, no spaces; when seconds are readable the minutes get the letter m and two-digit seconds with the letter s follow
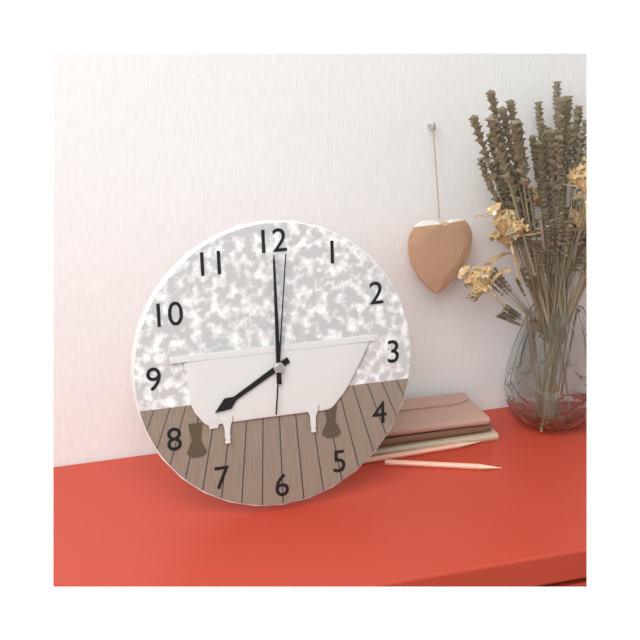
8h00m01s
